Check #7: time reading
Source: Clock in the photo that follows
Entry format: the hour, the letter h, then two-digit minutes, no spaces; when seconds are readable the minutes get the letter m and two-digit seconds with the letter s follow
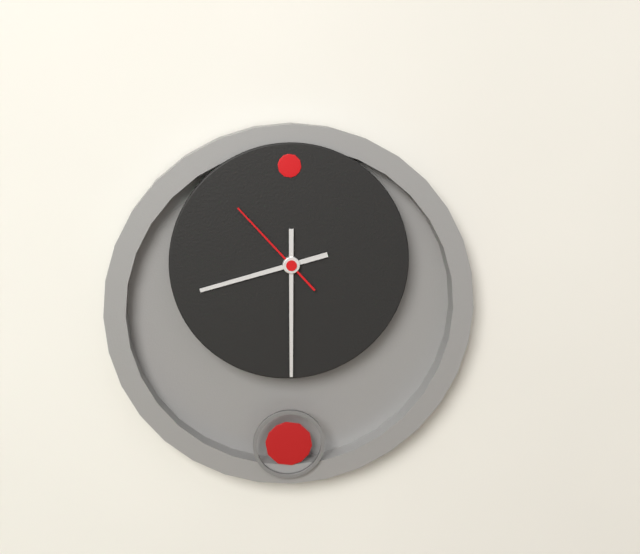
8h30m53s
